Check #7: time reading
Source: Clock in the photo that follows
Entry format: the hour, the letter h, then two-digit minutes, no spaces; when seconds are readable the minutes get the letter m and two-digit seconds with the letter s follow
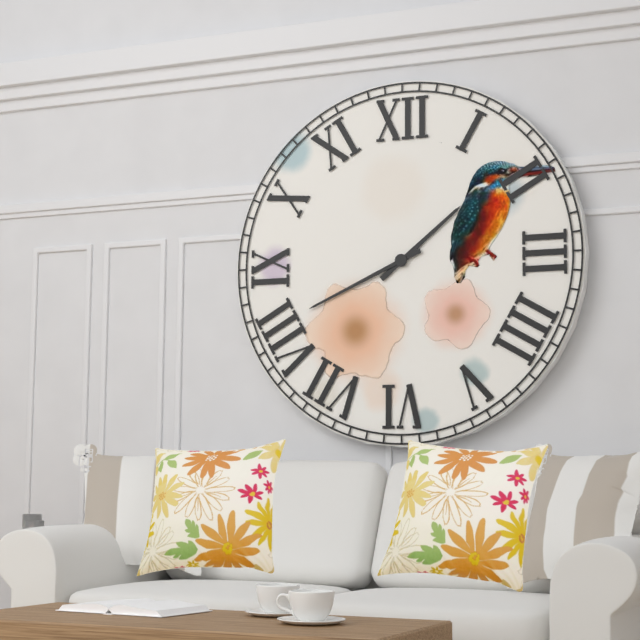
1h41
